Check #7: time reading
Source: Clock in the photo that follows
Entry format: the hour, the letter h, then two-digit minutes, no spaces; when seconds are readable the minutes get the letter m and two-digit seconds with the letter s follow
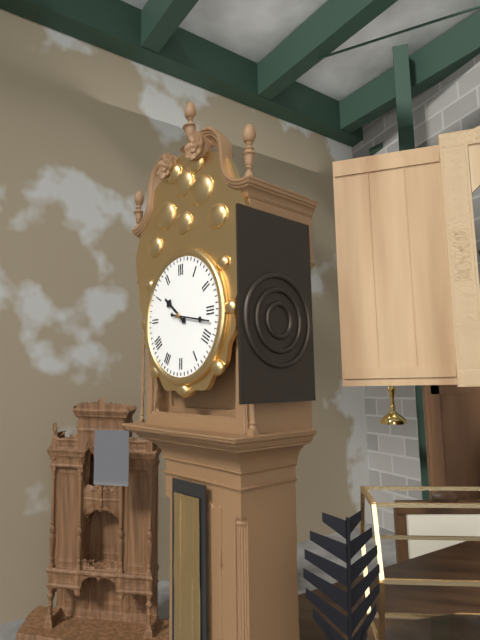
10h17
